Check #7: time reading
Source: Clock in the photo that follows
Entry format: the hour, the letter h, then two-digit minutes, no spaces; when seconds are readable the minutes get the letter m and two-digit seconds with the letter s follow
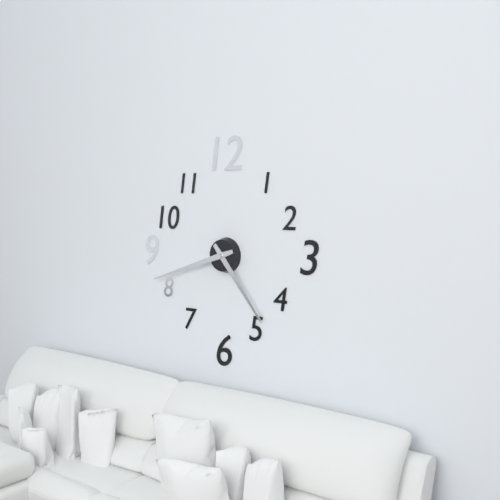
4h42
